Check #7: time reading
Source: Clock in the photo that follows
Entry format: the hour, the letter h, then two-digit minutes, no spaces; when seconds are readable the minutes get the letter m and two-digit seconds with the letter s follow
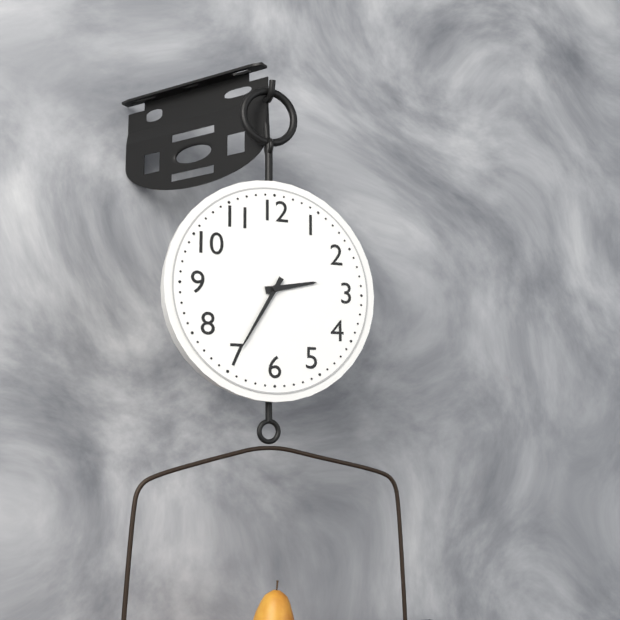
2h35
